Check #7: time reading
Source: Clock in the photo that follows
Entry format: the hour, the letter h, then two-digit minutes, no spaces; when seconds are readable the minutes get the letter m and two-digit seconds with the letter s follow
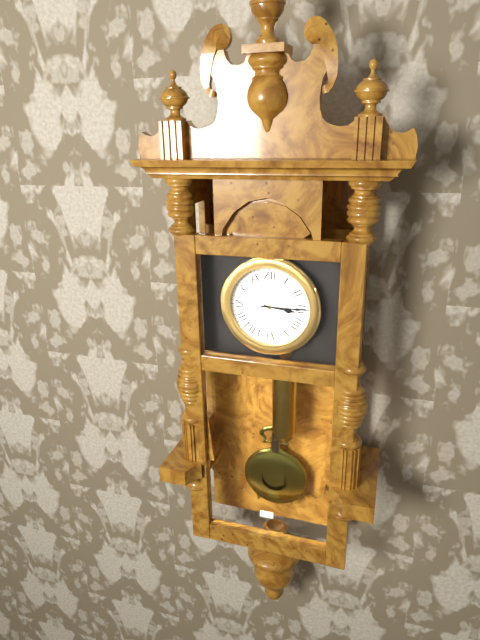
3h15
